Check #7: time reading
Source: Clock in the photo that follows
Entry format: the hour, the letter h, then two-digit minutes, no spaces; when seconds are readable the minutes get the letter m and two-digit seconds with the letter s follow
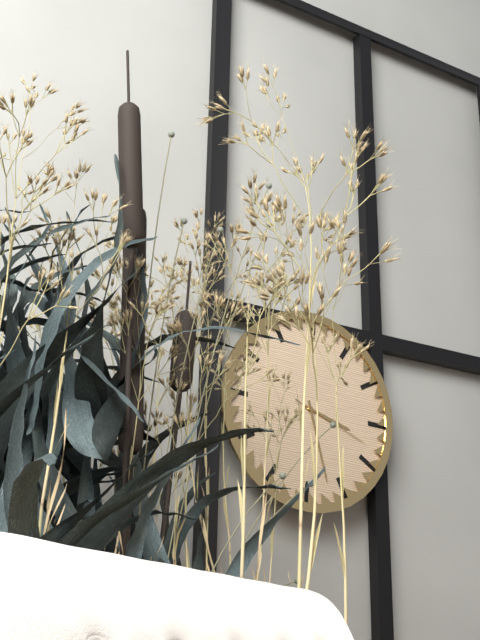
3h27m18s
